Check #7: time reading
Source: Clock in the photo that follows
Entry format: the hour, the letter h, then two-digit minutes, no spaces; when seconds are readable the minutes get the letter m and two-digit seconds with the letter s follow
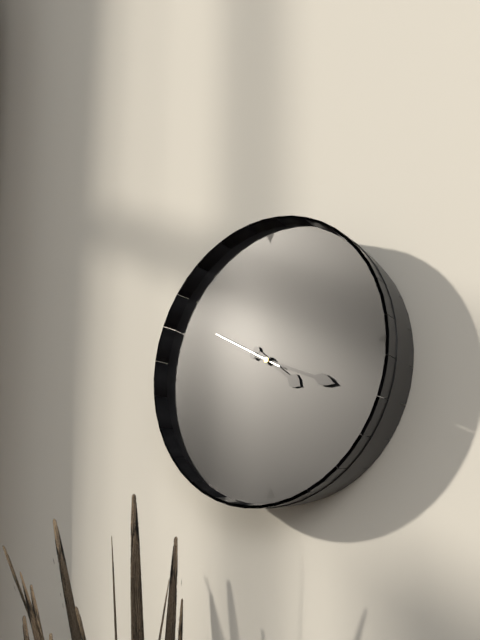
4h19m50s
